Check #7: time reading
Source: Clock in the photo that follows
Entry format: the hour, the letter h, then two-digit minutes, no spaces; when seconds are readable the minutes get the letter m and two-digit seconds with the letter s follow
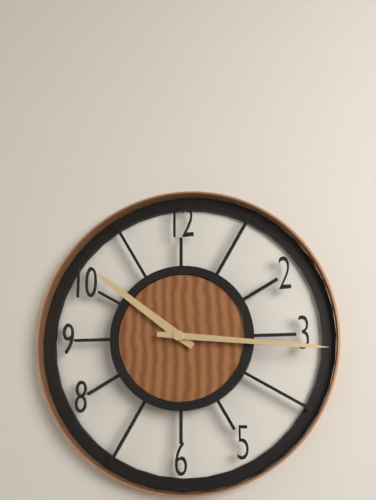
10h16
